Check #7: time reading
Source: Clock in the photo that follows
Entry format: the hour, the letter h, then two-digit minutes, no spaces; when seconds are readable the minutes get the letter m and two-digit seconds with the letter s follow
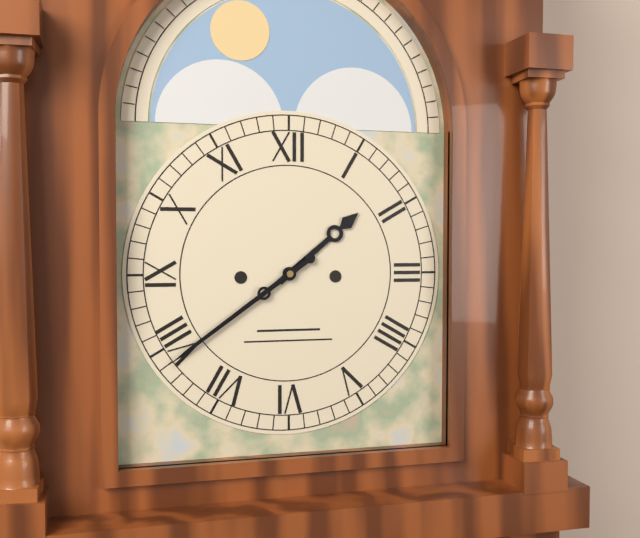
1h39
